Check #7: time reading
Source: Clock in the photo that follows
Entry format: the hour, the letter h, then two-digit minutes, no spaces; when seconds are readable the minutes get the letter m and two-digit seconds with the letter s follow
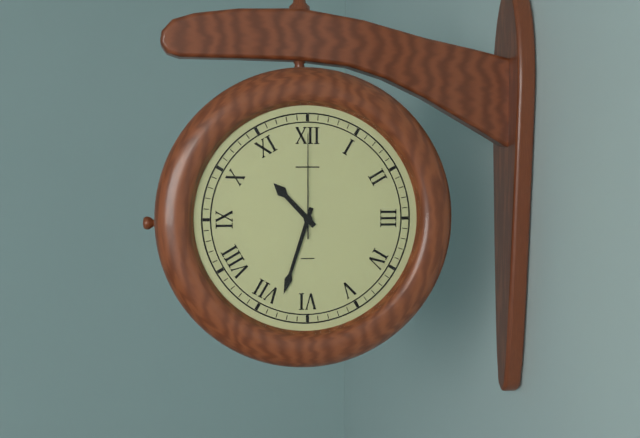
10h33m00s
